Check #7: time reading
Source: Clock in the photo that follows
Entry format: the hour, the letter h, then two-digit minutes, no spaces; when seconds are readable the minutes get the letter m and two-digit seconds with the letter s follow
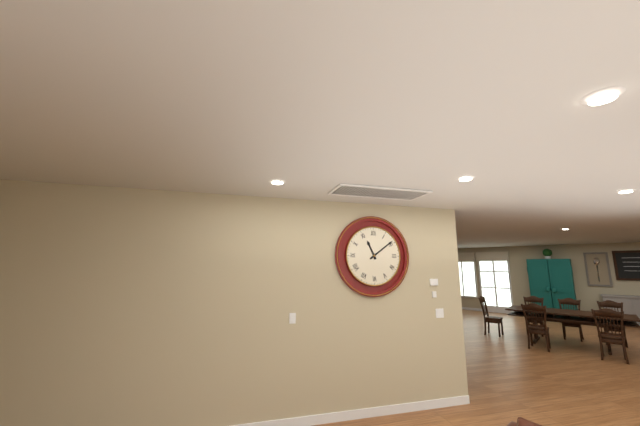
11h09
